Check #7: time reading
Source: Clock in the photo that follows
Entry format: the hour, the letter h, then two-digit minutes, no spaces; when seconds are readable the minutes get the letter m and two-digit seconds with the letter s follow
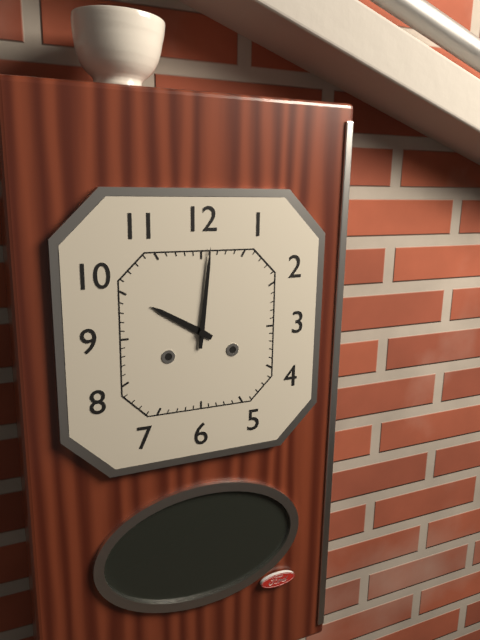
10h01
